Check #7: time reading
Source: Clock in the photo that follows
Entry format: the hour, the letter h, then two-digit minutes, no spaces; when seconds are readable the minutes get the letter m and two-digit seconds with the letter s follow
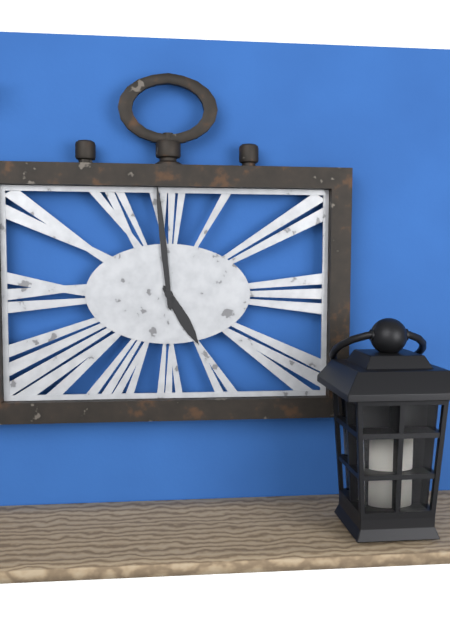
4h59
